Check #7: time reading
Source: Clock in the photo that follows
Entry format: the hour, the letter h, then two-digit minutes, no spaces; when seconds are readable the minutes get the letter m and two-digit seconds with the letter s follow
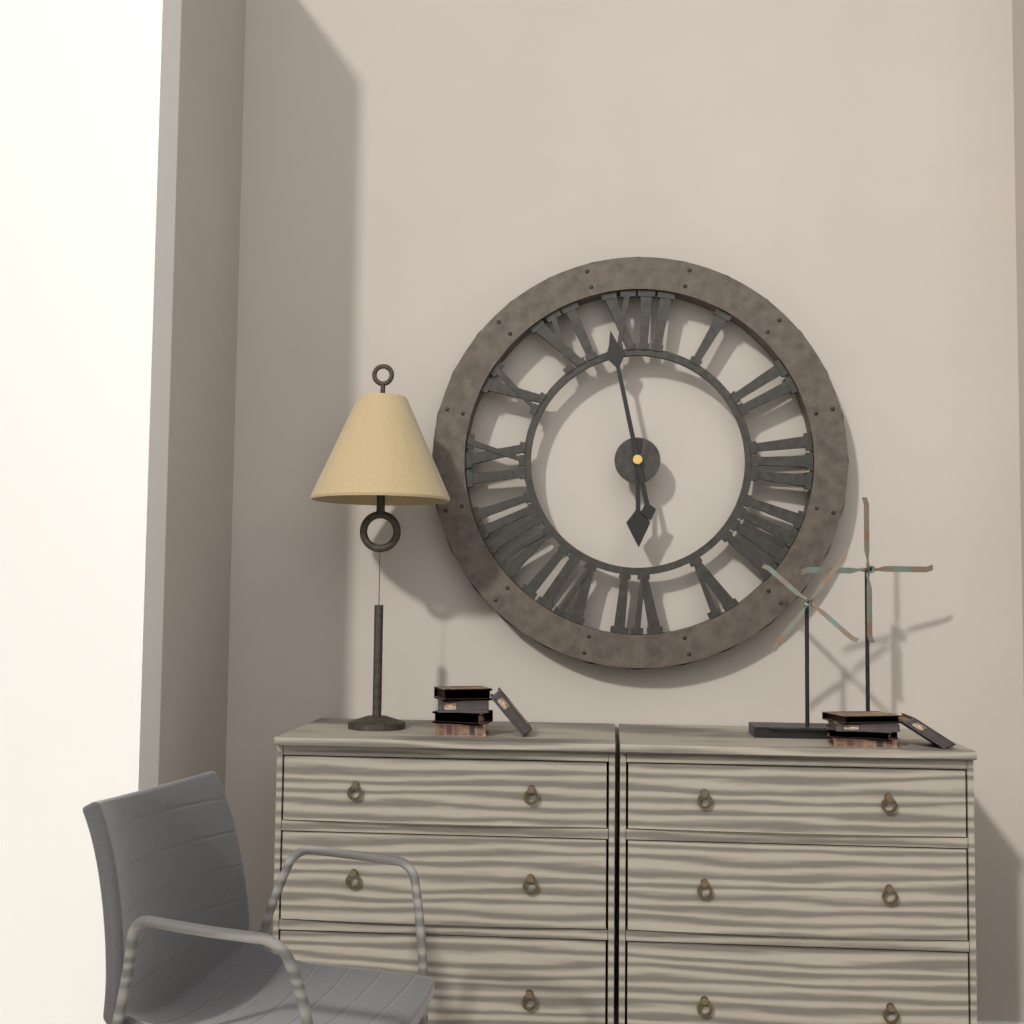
5h58
